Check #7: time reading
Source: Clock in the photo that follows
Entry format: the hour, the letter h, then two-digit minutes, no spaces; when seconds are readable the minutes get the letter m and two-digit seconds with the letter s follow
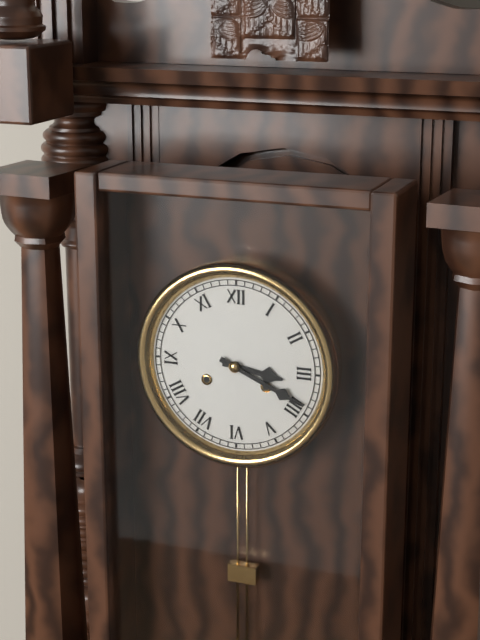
3h19
